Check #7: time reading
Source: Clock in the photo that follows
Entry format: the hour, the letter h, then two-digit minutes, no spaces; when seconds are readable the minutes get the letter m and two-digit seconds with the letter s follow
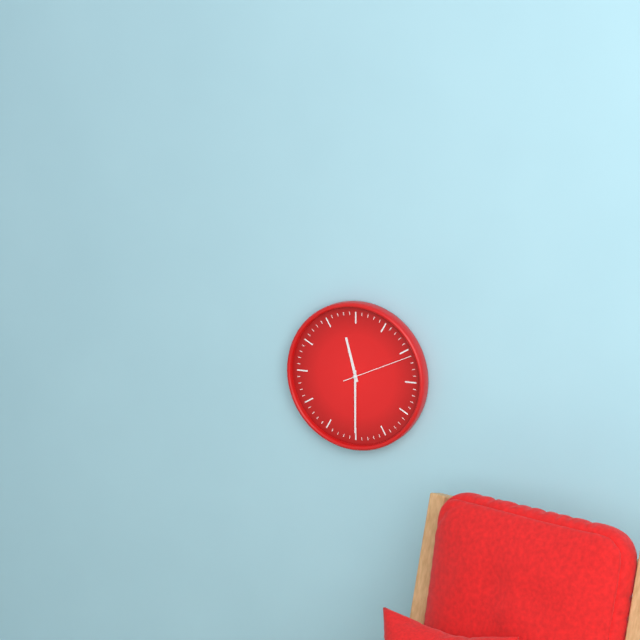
11h30m11s
